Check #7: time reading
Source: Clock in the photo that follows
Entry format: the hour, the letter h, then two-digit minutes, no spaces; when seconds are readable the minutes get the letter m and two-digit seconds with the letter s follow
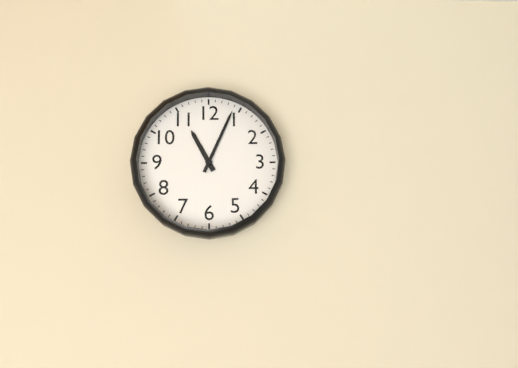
11h04
